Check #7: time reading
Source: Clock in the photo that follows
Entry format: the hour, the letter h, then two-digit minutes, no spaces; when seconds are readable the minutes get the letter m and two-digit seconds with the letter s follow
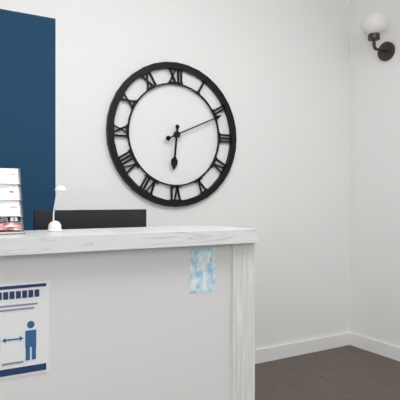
6h11
